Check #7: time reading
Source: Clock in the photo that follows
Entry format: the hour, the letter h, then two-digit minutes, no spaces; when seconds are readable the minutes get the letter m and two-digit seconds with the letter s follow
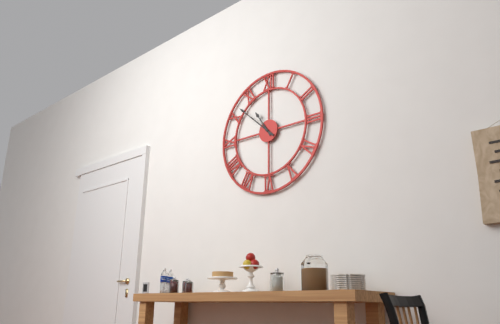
10h52
